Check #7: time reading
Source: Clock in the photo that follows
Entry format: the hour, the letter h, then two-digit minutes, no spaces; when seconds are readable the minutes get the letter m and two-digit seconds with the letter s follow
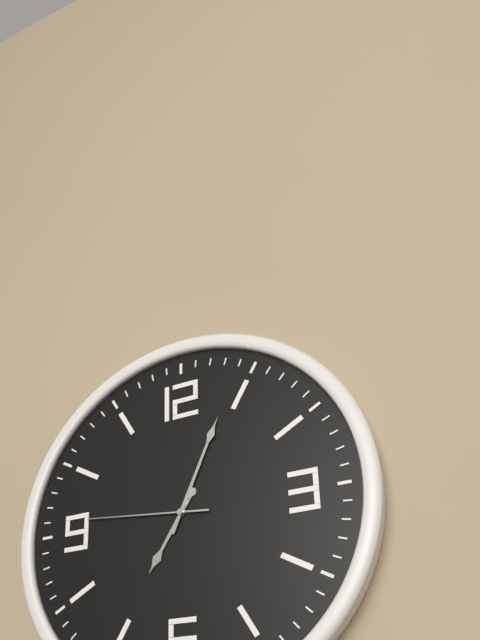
7h04m46s
